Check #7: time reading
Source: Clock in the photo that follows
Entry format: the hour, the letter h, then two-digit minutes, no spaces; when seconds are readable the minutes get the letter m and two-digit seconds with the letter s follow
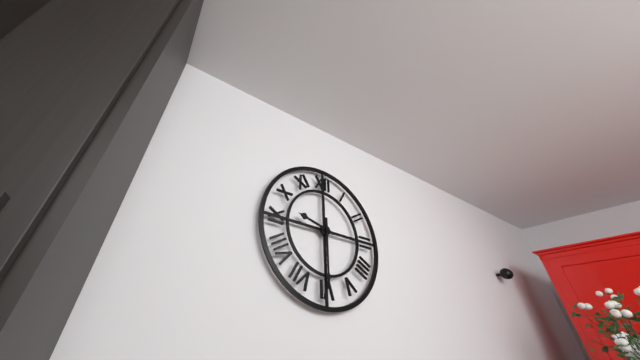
9h30
